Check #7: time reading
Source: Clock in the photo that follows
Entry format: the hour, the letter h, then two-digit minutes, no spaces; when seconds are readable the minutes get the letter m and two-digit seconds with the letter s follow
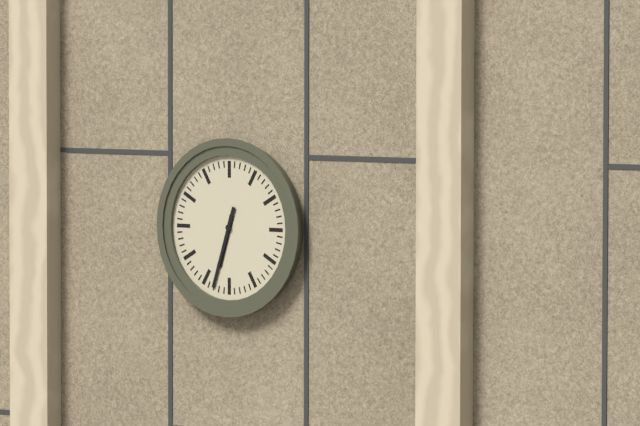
6h33
